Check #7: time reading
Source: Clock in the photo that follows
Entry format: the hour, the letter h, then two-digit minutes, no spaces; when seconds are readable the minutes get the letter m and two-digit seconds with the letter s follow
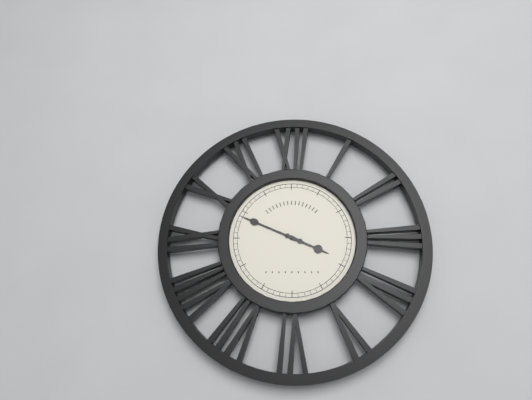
3h49
